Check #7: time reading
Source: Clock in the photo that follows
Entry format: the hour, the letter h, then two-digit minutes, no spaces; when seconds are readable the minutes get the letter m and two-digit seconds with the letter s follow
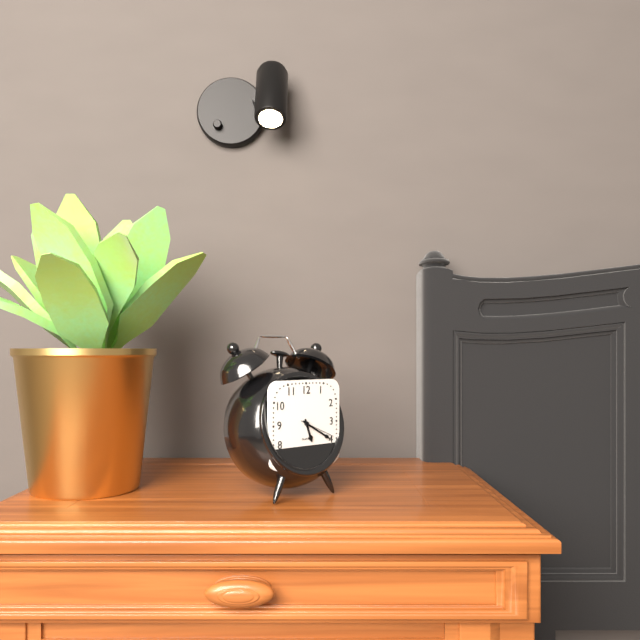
5h20
